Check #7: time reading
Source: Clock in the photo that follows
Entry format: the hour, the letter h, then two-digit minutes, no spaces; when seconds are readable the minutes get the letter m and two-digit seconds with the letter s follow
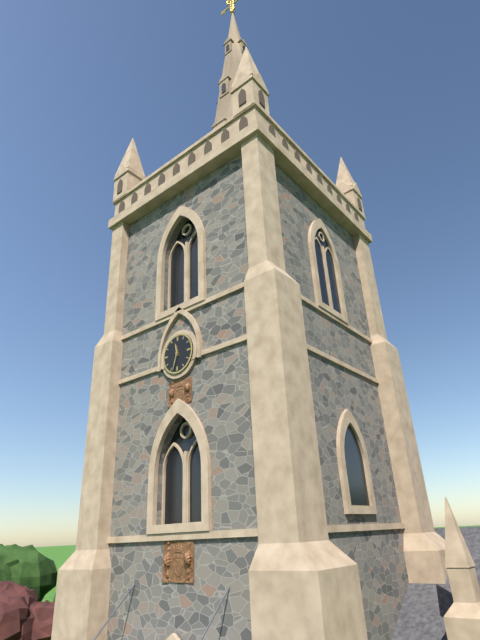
11h33
